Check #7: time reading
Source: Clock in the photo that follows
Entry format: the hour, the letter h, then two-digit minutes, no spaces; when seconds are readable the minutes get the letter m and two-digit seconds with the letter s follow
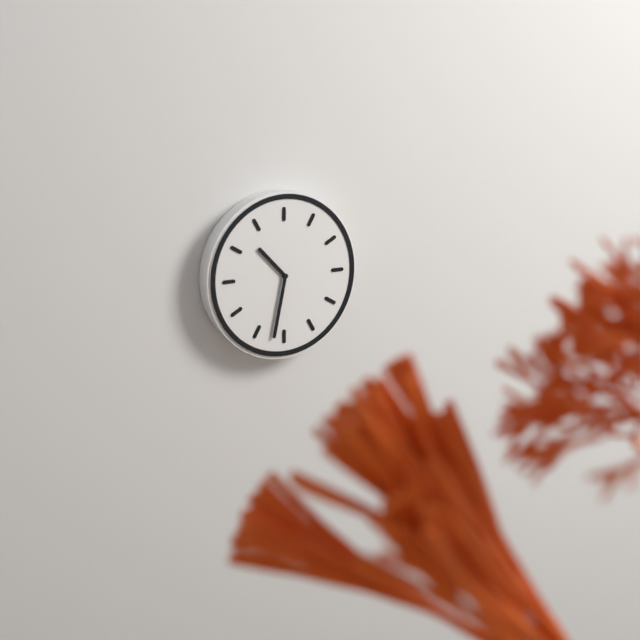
10h32
